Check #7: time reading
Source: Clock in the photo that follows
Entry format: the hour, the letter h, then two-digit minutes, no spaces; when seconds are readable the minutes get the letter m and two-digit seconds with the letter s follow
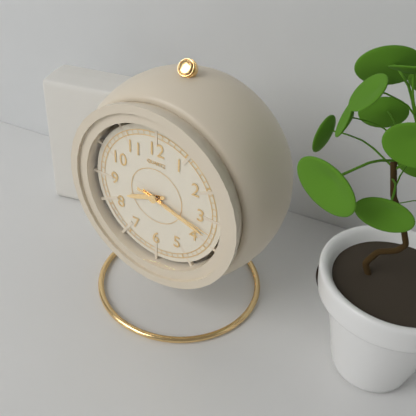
8h18m17s
